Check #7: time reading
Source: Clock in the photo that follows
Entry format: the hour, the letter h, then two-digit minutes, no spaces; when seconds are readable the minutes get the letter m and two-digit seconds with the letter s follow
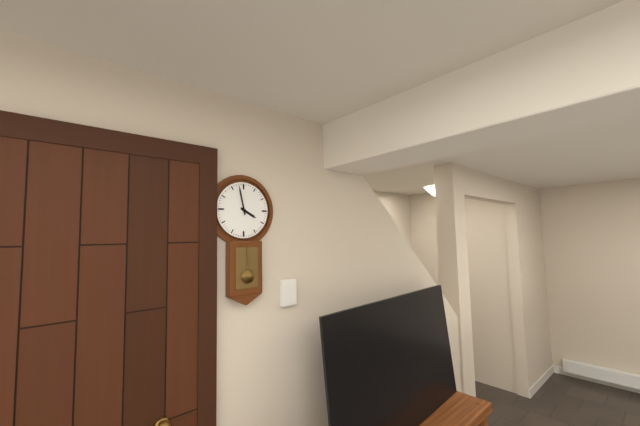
3h58
